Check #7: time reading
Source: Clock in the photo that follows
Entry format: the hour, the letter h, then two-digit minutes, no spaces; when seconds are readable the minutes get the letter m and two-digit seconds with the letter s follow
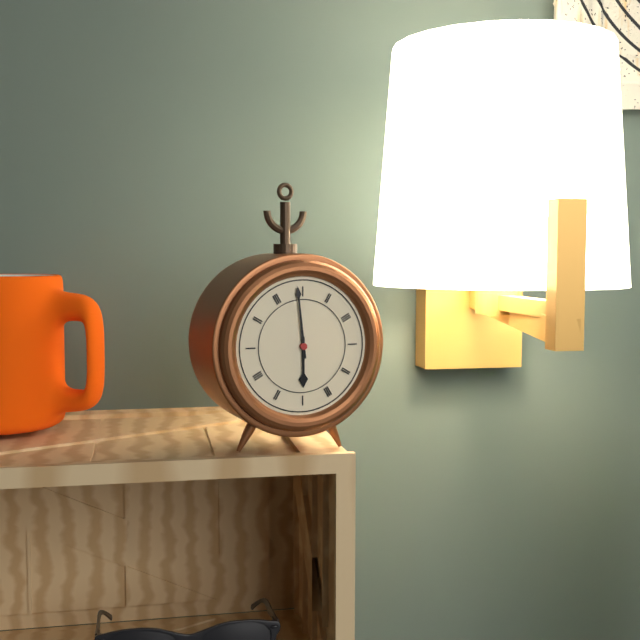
5h59
